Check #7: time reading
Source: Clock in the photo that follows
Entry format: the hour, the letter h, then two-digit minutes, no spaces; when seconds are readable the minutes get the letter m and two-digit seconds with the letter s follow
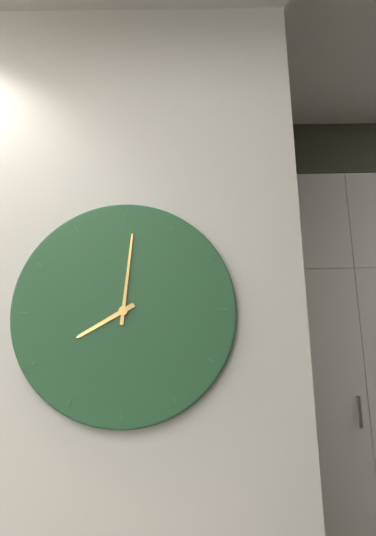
8h01
